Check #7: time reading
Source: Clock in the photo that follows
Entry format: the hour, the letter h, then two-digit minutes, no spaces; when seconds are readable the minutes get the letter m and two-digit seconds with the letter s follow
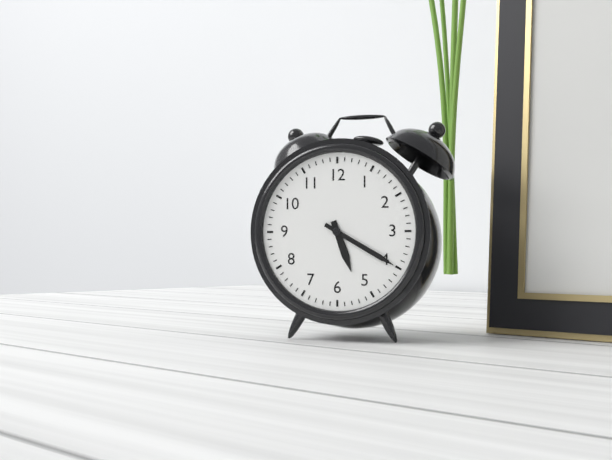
5h20
